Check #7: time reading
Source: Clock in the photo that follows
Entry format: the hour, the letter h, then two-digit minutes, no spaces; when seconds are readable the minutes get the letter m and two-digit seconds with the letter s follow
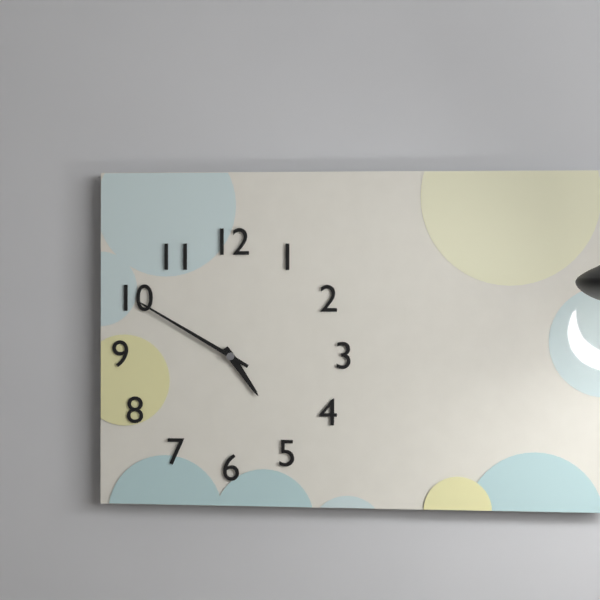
4h50
